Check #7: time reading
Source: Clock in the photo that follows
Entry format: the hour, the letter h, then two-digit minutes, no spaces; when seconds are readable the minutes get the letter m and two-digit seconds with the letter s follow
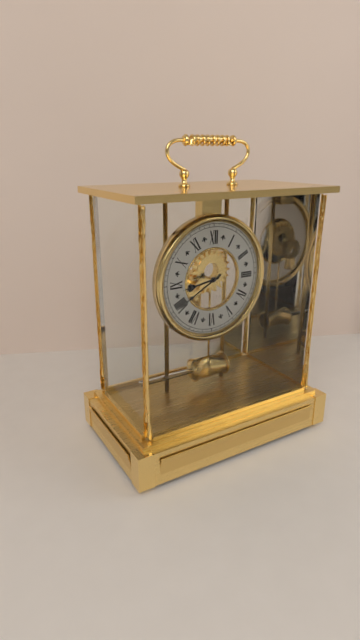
8h40
